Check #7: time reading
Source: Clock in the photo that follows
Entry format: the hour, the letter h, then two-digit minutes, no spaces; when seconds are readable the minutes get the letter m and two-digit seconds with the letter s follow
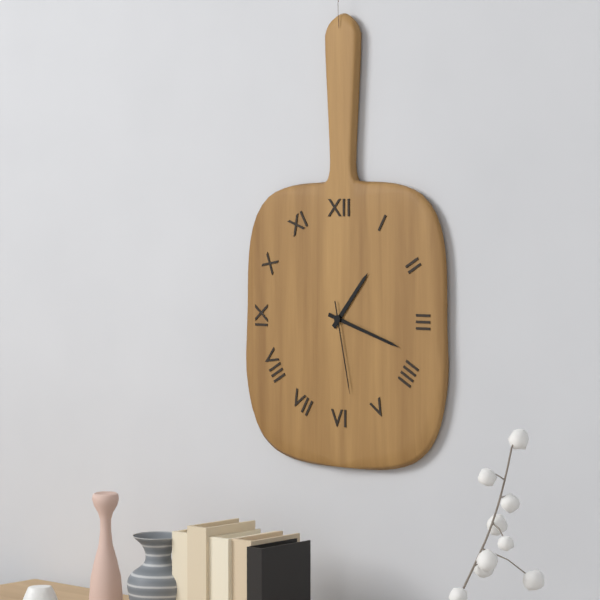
1h18m28s
